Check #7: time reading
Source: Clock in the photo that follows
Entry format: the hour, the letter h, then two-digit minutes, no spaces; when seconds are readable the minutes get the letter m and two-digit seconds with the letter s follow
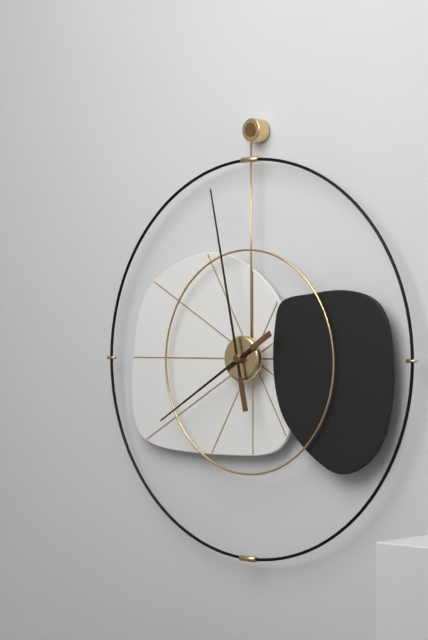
7h58
